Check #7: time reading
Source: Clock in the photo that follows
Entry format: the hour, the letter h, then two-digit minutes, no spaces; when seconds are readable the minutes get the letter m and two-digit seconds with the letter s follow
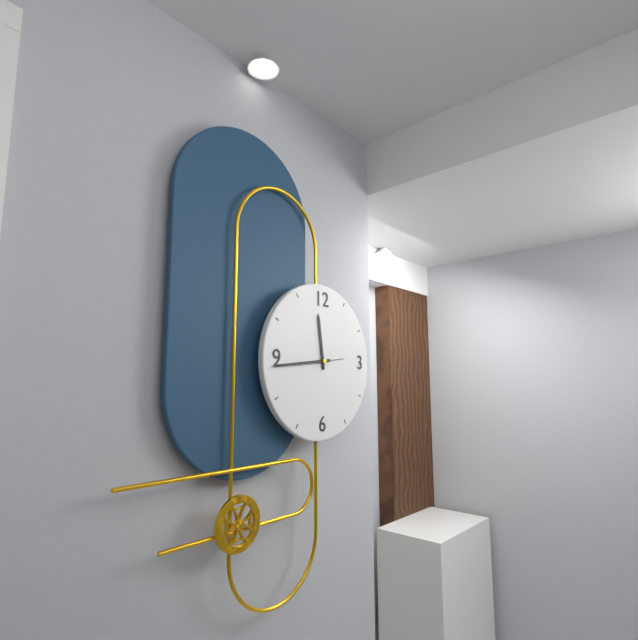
11h44
